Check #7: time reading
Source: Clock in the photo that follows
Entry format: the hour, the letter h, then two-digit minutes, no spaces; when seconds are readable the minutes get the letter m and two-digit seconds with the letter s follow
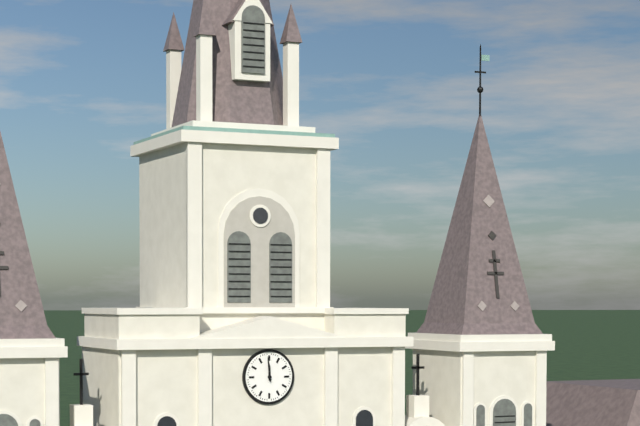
11h59
